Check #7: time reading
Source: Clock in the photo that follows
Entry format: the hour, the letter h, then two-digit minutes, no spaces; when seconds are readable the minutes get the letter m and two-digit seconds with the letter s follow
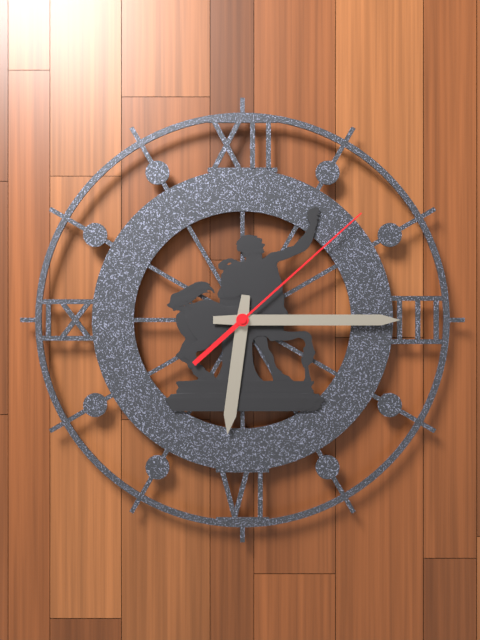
6h15m08s
